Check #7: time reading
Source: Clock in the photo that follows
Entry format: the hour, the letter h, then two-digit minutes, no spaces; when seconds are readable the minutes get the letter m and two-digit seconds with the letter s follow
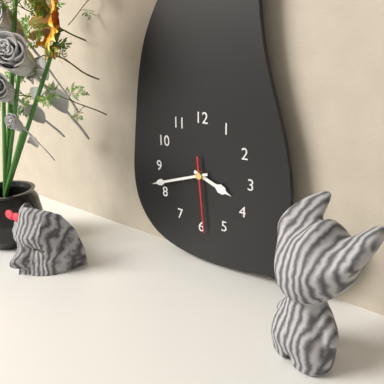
3h42m29s
